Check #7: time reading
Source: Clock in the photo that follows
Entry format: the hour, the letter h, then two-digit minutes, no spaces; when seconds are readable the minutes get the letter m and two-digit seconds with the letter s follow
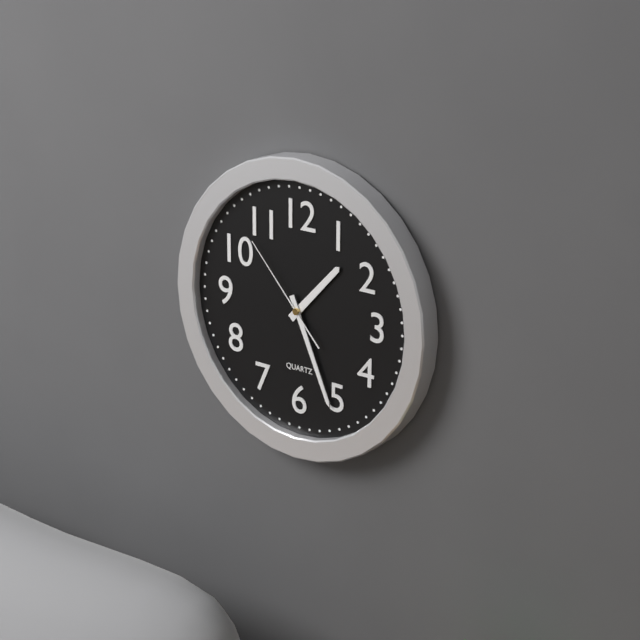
1h26m53s
